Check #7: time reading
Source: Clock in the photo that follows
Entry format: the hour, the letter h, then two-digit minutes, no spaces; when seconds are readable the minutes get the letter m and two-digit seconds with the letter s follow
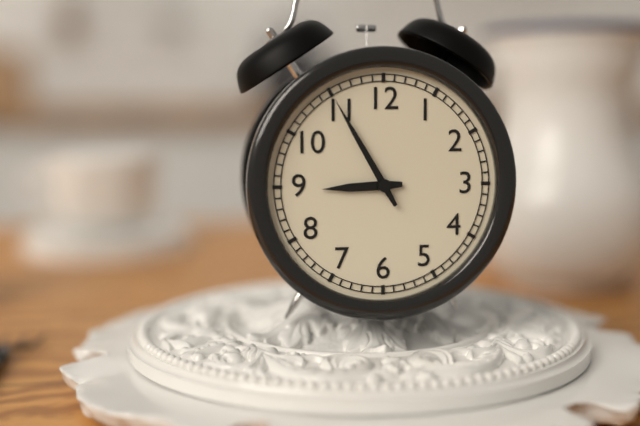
8h55
